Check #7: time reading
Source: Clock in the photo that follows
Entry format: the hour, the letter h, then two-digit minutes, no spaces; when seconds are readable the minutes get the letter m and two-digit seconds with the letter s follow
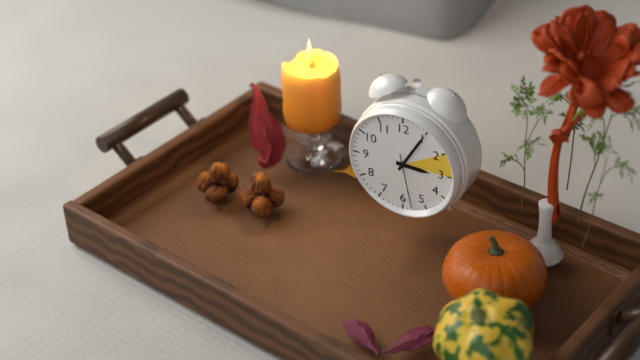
3h05m28s
